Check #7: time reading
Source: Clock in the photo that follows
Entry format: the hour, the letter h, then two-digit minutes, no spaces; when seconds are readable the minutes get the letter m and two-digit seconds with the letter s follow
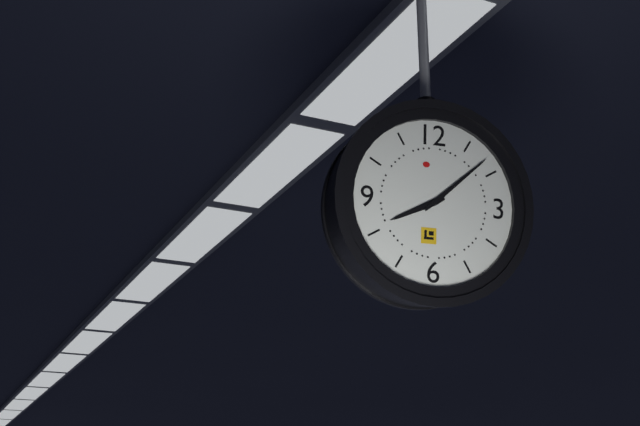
8h08
